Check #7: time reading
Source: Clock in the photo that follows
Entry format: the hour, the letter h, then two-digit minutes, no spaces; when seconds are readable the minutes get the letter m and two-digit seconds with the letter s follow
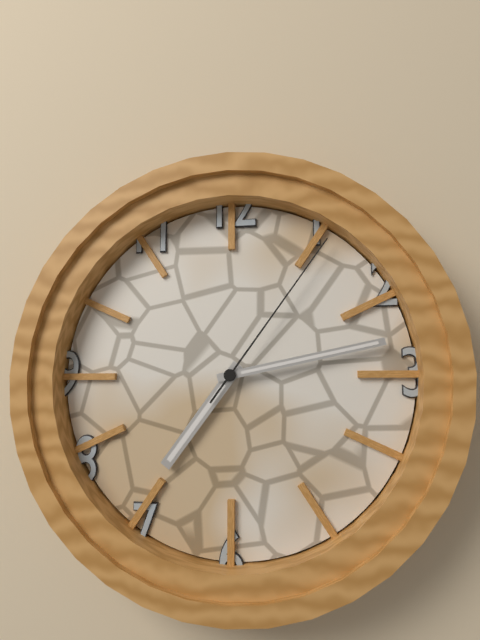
7h13m06s
